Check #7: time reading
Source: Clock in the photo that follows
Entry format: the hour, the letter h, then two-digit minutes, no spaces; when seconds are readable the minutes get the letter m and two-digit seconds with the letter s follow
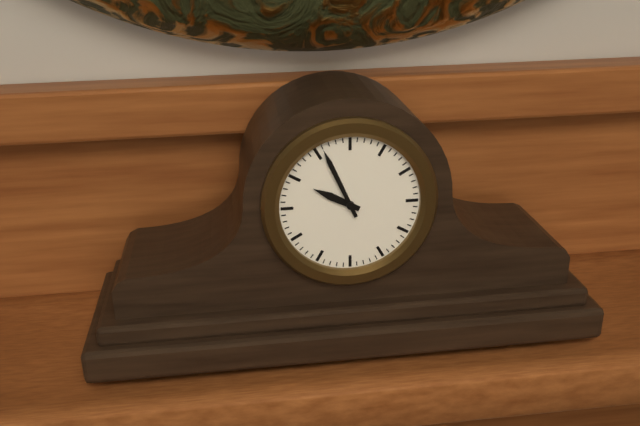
9h56
